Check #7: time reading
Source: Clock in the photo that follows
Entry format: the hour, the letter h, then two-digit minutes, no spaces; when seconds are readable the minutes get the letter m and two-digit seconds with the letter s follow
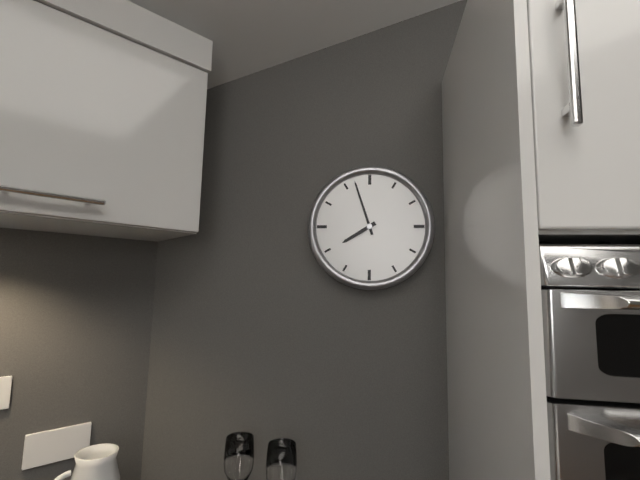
7h57
